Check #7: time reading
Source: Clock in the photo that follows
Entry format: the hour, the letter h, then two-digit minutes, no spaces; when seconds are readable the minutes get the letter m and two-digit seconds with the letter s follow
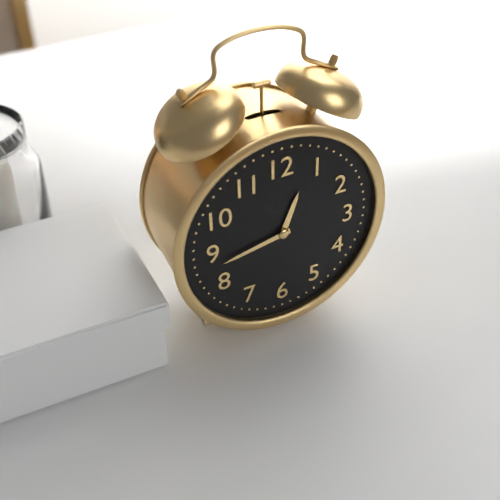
12h43
